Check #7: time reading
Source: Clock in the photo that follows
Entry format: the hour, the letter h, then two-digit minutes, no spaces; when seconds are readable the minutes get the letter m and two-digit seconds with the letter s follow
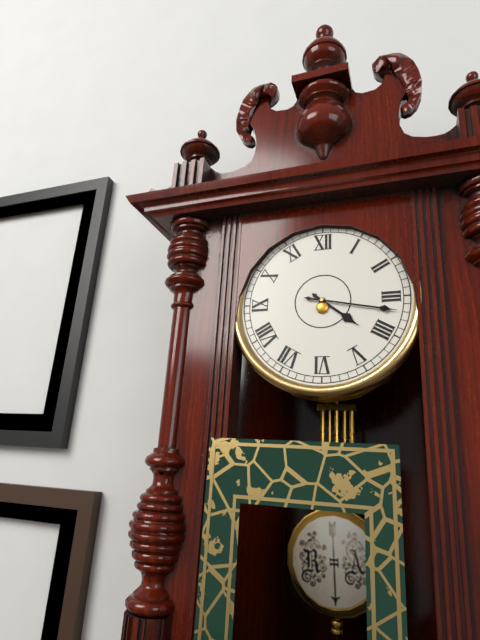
4h17
